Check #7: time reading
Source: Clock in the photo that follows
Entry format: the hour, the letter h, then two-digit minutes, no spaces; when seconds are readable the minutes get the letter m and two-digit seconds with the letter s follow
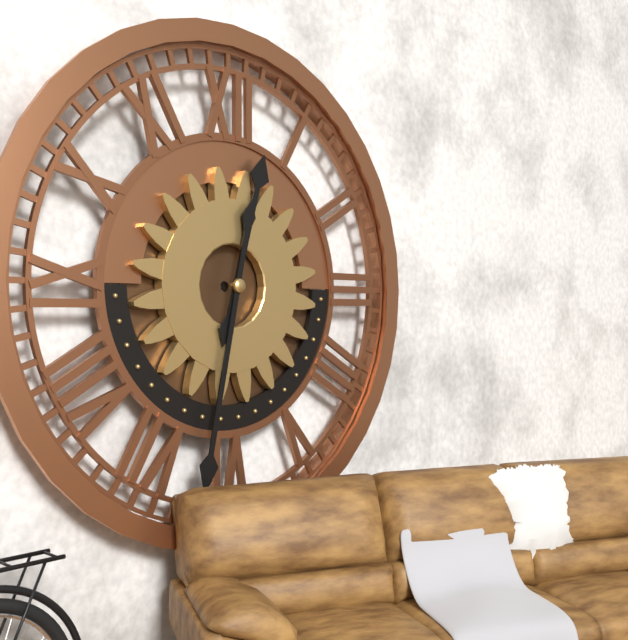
12h32
